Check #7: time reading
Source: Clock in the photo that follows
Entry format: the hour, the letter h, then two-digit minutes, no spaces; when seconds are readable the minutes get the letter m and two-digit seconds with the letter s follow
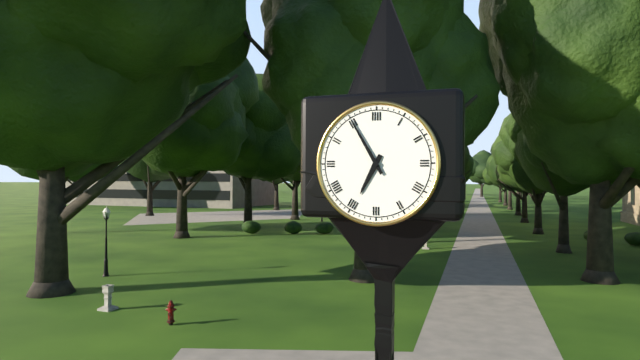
6h55
